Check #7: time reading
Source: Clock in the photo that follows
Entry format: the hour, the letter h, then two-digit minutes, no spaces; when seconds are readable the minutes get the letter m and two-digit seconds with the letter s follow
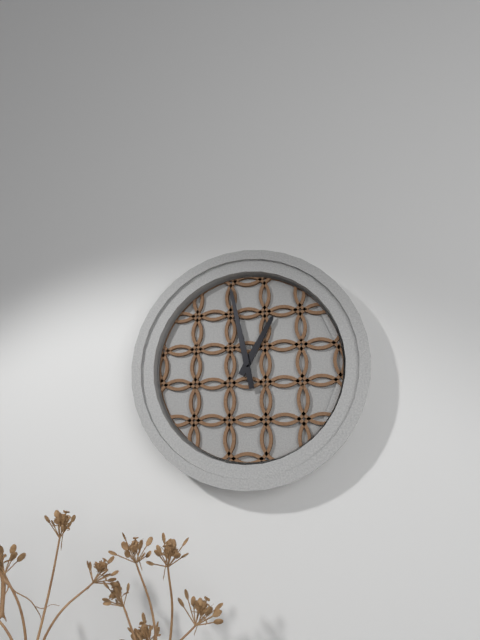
12h58
